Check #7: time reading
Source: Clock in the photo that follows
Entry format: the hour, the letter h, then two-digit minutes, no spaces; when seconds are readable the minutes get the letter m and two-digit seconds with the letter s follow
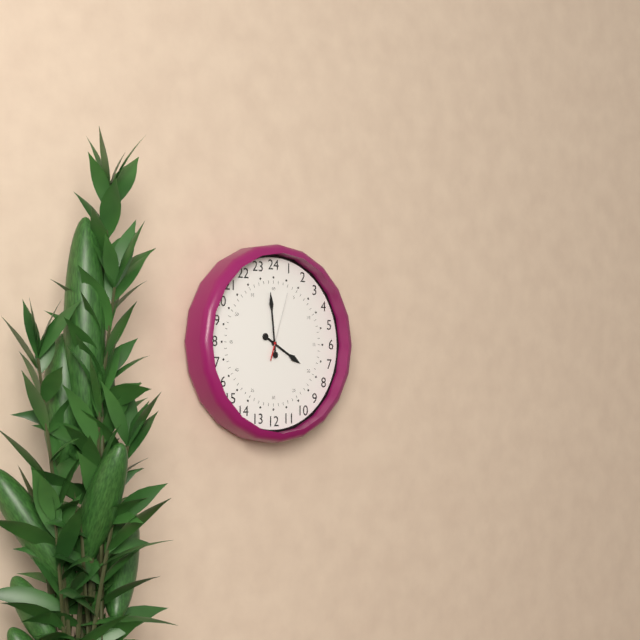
3h59m03s
